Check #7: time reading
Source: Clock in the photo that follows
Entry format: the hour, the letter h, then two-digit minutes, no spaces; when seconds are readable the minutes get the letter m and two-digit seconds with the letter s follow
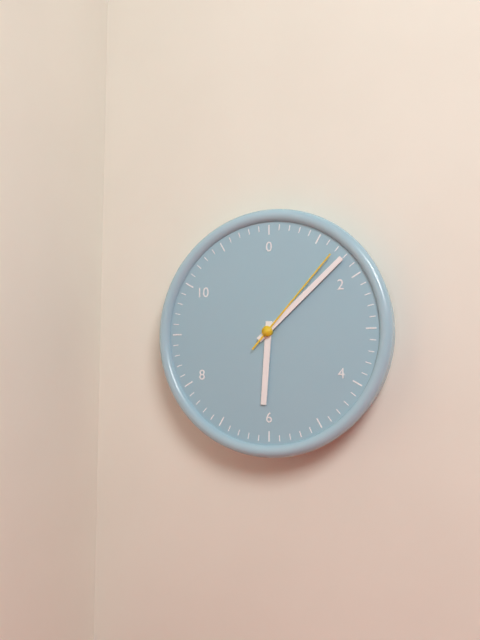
6h08m07s
